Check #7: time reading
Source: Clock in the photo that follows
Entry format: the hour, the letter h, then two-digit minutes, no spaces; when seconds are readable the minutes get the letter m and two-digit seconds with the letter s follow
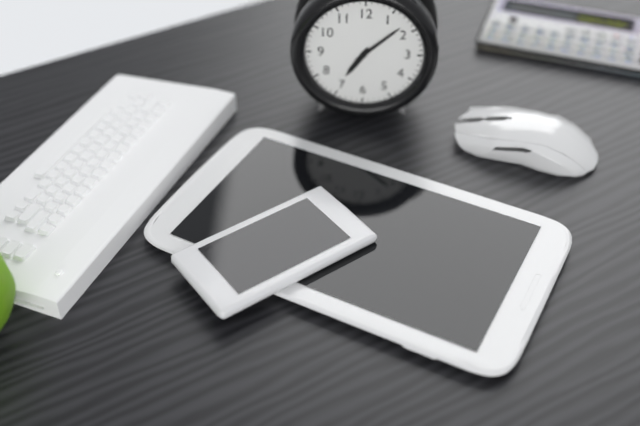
7h08
